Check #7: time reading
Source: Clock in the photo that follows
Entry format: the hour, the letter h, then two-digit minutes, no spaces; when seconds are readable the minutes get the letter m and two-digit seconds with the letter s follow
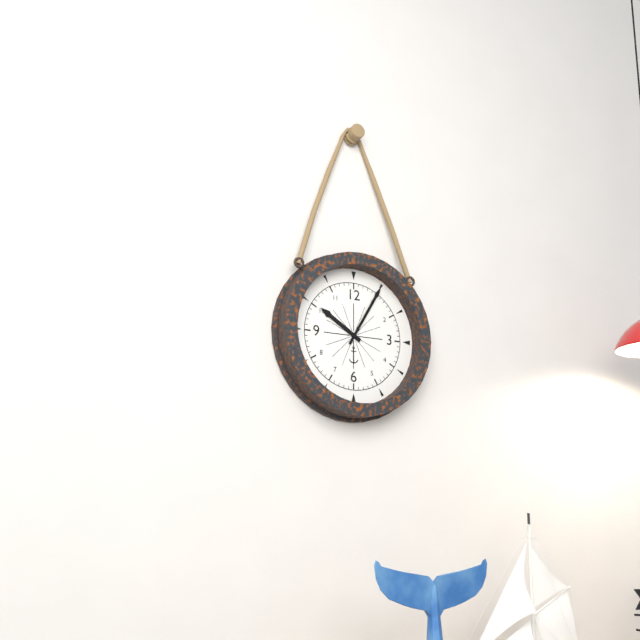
10h05
